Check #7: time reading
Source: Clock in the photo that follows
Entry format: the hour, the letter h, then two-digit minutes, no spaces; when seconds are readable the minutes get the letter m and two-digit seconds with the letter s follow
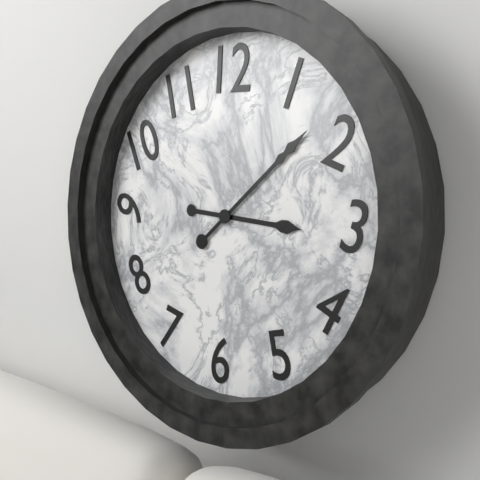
3h08
